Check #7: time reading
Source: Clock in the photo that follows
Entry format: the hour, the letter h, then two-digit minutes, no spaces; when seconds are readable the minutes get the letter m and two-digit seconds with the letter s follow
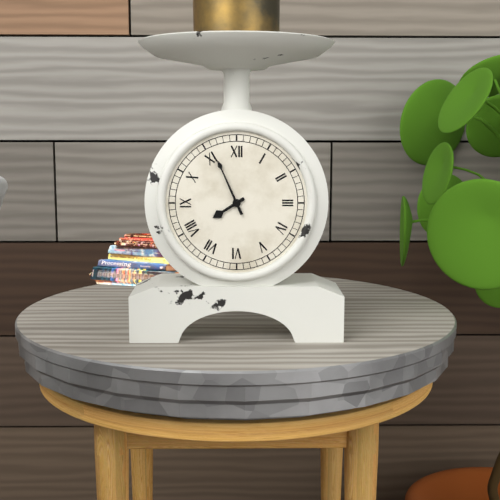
7h56
